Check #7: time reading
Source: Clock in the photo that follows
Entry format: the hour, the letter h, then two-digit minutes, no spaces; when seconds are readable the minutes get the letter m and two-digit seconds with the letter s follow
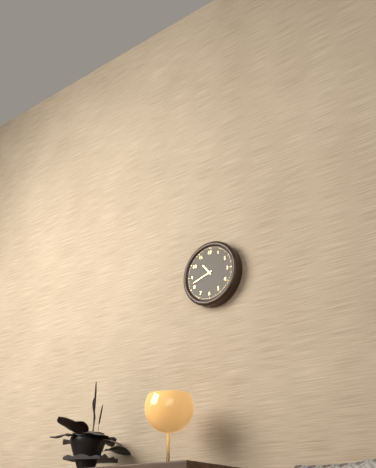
10h42
